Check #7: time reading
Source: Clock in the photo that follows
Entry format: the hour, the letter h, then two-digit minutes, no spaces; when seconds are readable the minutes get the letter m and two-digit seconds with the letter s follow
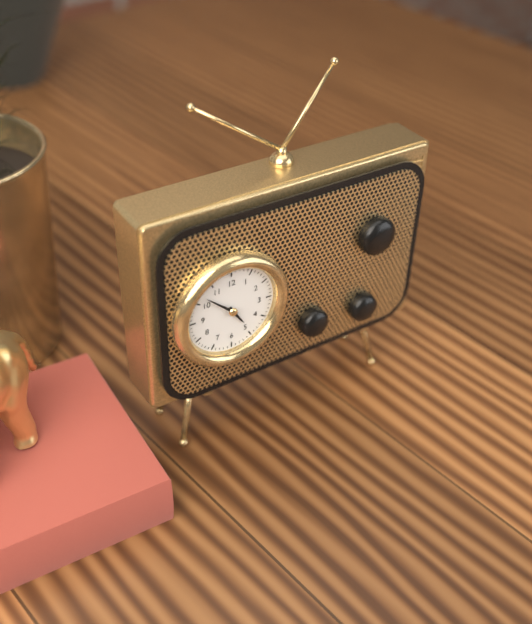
4h52
